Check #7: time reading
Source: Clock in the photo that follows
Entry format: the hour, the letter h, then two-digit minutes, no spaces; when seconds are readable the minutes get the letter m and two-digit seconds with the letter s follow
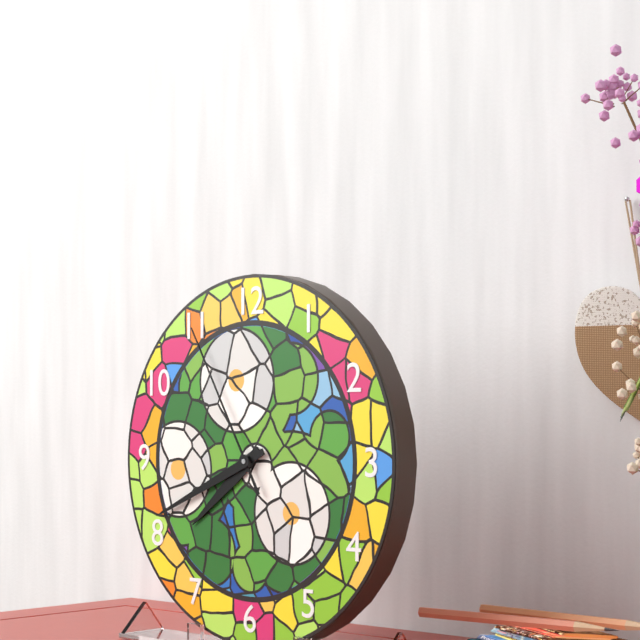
7h41m55s
